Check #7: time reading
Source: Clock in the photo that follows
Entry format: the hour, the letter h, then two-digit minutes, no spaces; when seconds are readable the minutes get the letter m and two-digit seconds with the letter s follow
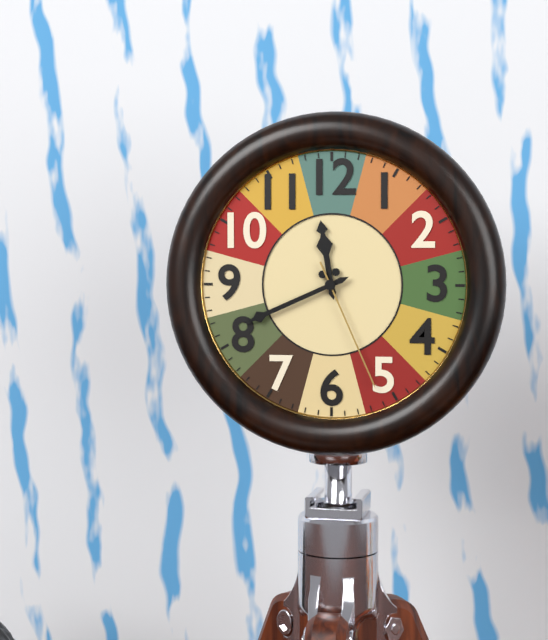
11h41m26s
